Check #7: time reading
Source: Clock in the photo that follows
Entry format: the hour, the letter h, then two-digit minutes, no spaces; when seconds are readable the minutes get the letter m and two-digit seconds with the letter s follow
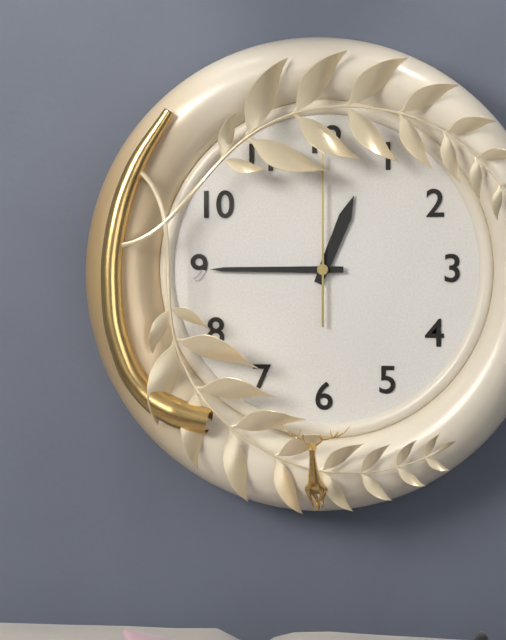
12h45m00s
